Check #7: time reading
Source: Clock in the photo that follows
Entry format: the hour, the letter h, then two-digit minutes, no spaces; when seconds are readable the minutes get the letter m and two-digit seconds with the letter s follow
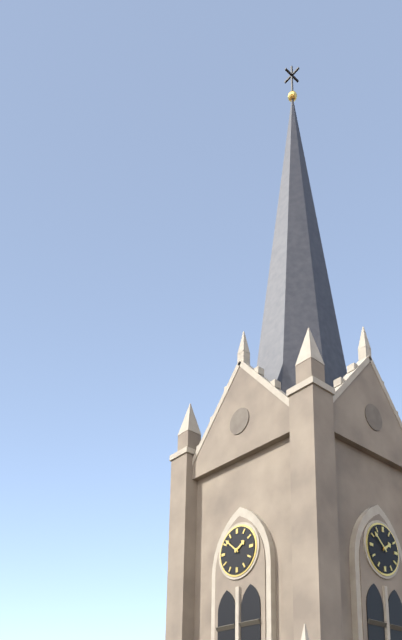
1h52
